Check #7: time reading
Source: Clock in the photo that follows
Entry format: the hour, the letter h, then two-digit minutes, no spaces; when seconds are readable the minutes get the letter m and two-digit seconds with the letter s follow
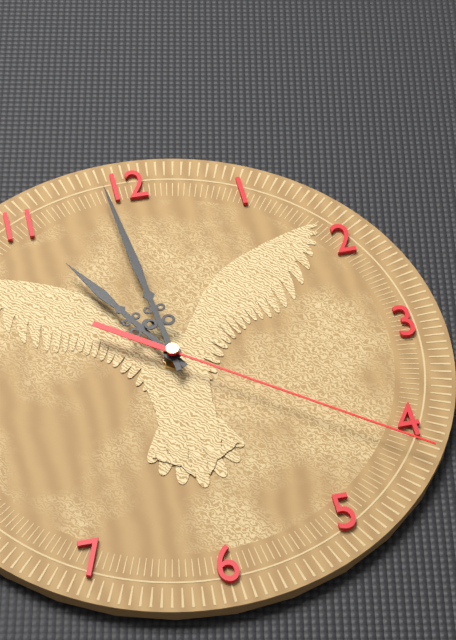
10h59m21s
